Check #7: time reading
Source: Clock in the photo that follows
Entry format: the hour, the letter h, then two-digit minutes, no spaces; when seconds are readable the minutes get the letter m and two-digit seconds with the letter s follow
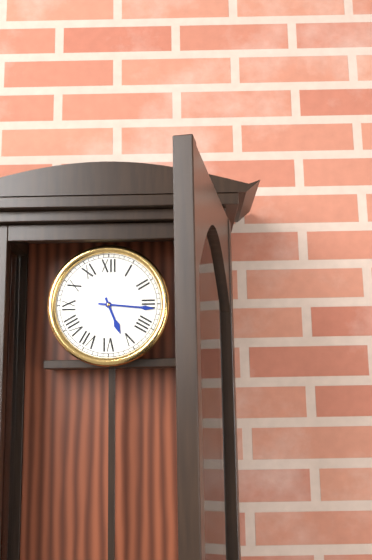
5h16
